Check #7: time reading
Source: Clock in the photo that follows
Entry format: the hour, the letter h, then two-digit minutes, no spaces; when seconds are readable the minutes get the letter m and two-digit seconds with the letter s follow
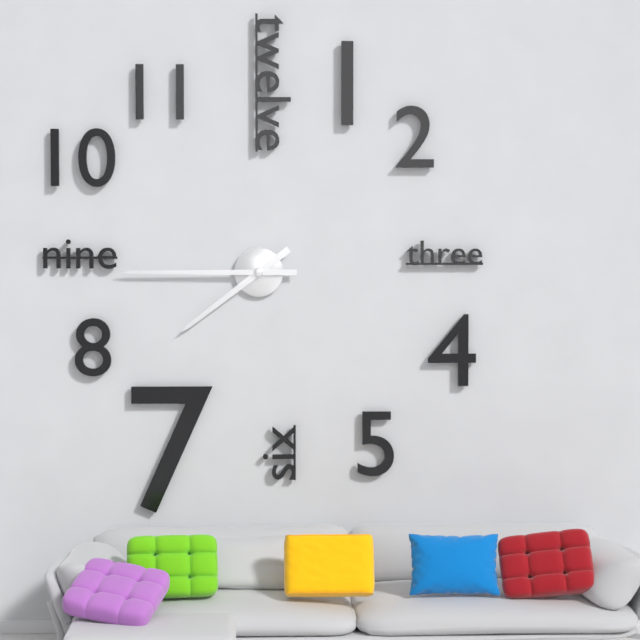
7h45
